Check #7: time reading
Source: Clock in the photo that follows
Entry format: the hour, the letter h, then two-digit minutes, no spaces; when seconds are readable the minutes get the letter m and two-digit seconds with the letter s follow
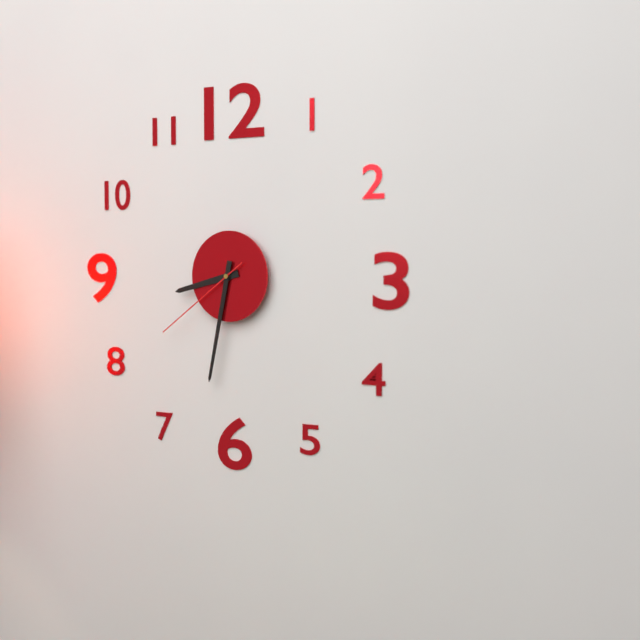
8h32m39s
